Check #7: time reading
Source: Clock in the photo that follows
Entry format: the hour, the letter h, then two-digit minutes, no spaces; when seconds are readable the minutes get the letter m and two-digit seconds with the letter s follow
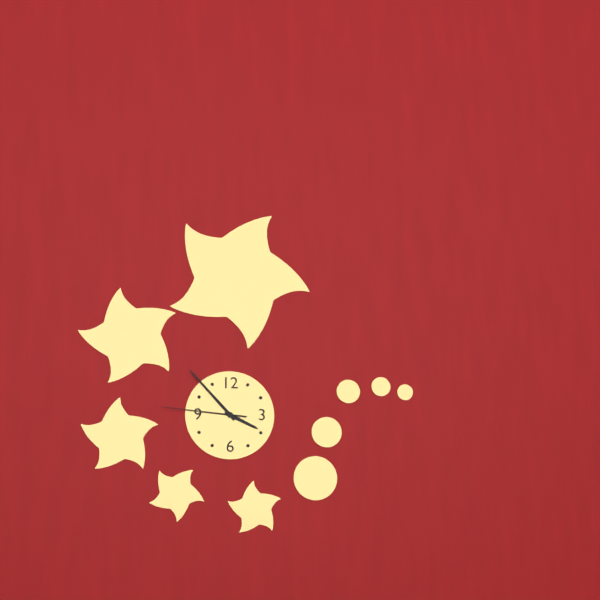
3h53m46s
